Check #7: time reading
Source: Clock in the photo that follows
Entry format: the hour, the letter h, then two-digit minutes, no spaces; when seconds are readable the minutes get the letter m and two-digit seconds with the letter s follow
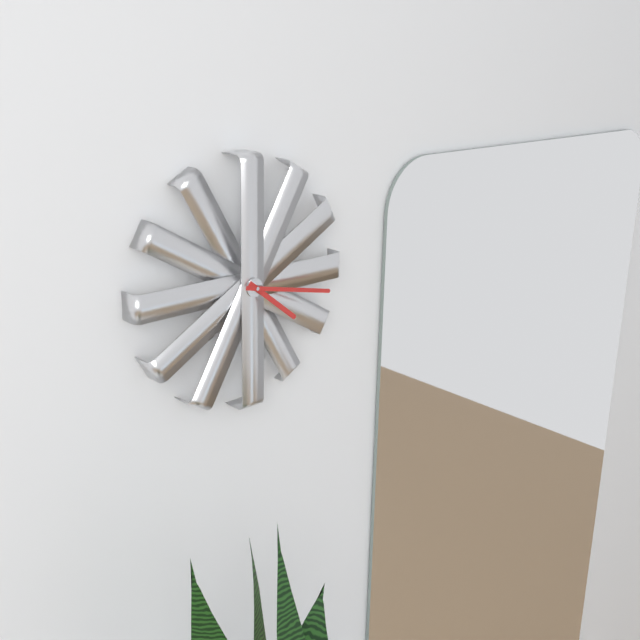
4h17
